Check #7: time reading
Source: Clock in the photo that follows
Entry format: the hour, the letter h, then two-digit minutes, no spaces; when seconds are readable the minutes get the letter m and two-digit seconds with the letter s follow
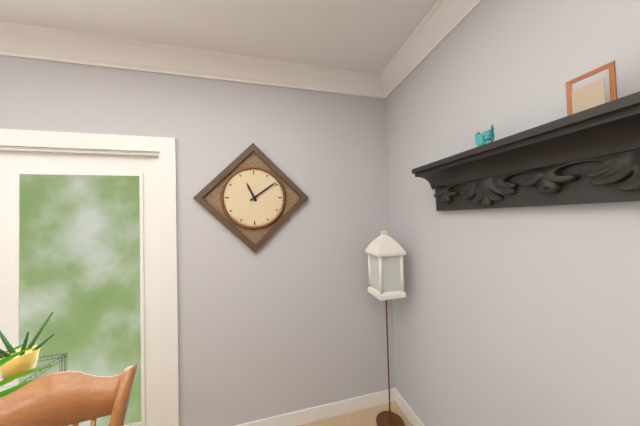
11h09
